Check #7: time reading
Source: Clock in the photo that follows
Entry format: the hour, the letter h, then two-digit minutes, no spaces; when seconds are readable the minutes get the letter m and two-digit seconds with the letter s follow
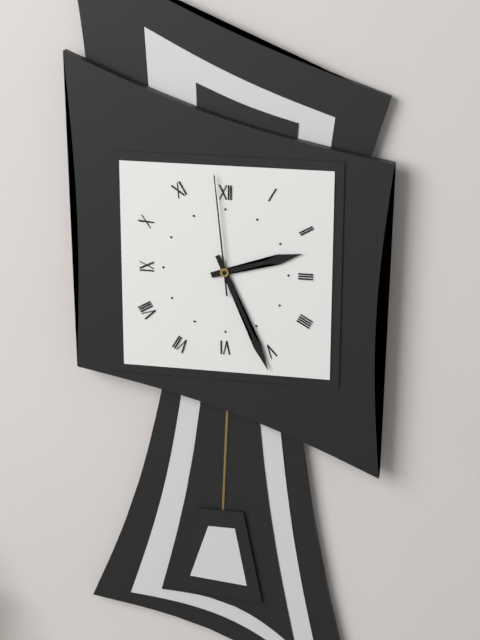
2h26m59s
